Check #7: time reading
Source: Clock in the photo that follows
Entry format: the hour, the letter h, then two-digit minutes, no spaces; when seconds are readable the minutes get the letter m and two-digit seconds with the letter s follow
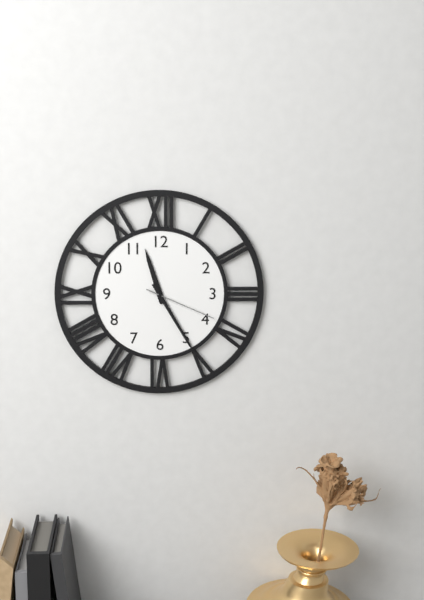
11h25m19s
